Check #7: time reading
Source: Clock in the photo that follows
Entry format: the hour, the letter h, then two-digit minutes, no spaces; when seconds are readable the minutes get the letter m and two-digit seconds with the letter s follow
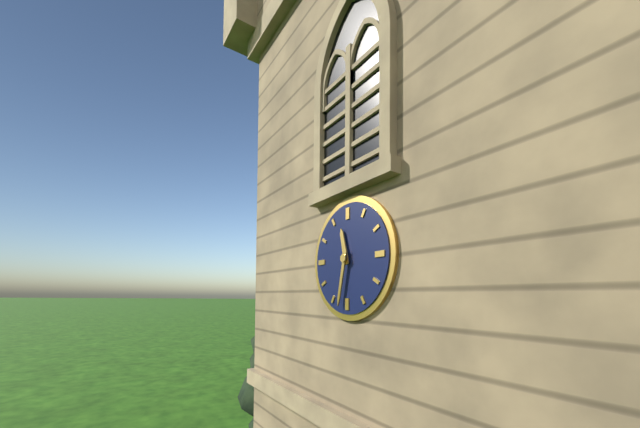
11h32
